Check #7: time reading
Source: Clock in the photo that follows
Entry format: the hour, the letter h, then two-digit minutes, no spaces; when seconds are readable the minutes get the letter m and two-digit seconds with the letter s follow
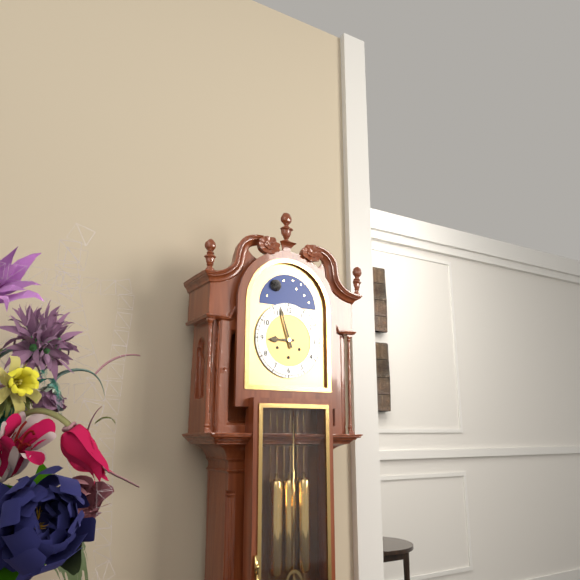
8h57
